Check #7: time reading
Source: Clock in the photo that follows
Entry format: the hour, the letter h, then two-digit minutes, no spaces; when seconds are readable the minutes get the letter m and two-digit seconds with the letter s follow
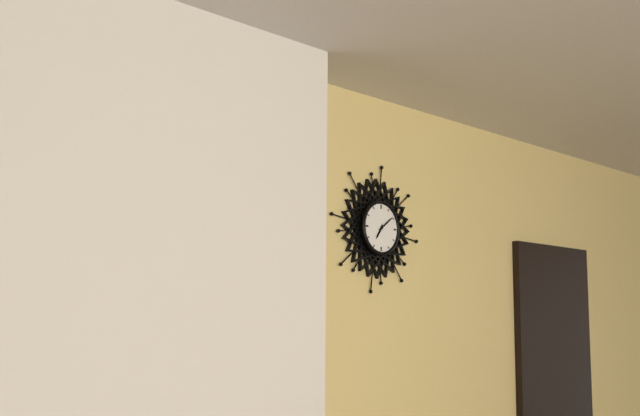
7h09
